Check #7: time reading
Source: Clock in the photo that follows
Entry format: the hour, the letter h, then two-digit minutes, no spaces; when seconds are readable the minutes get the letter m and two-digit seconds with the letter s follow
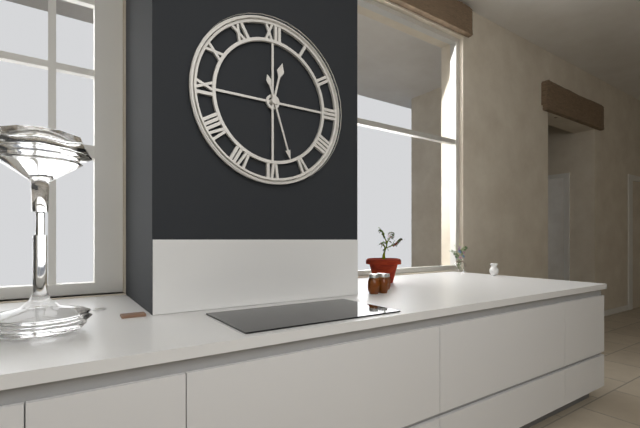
12h27
